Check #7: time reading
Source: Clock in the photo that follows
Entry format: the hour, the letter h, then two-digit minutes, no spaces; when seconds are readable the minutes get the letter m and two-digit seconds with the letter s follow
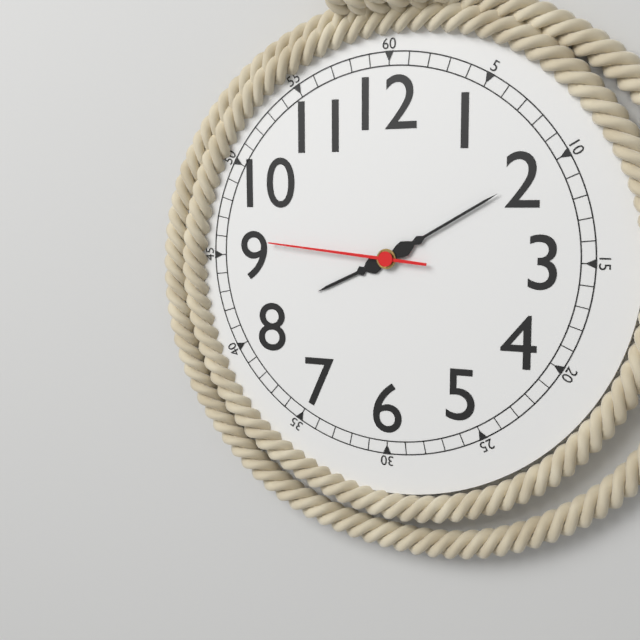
8h10m46s
